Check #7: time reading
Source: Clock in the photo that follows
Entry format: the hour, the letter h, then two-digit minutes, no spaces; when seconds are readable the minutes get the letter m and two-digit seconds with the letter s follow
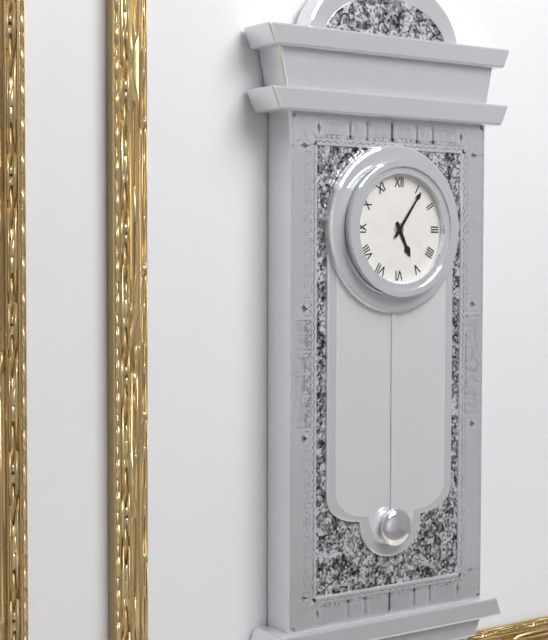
5h06
